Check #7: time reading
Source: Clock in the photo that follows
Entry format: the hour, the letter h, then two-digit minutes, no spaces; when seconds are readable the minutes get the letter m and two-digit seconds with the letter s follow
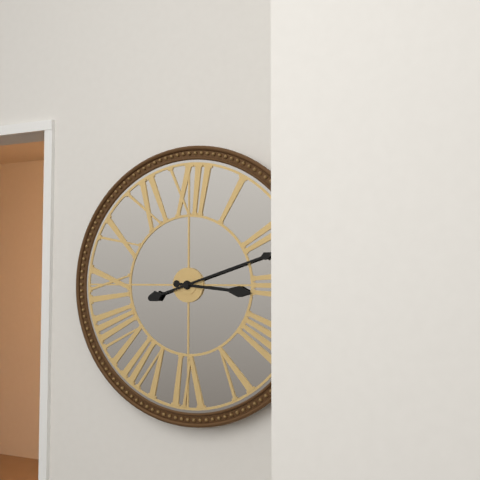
3h12
